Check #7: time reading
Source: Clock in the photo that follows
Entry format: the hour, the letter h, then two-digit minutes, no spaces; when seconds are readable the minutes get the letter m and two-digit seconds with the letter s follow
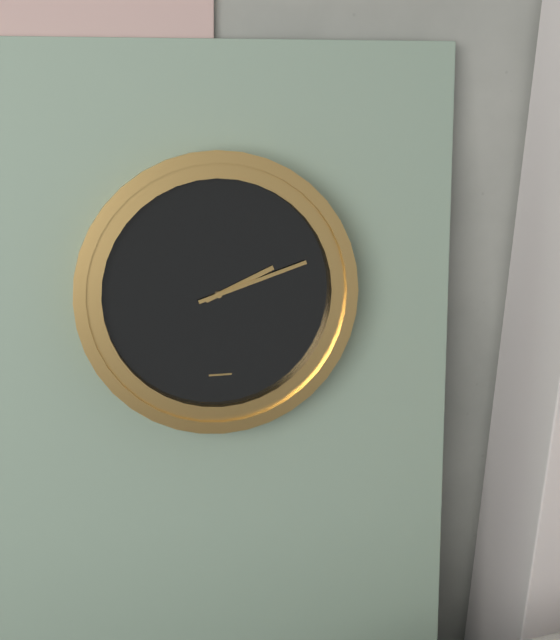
2h12
